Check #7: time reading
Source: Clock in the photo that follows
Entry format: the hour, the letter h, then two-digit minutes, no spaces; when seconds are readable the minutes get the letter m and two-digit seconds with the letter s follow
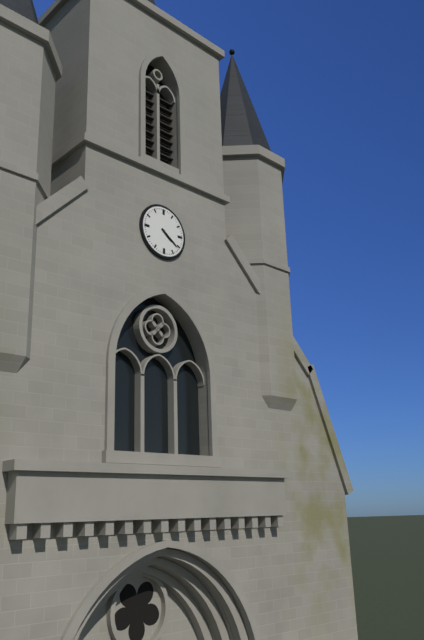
4h21
